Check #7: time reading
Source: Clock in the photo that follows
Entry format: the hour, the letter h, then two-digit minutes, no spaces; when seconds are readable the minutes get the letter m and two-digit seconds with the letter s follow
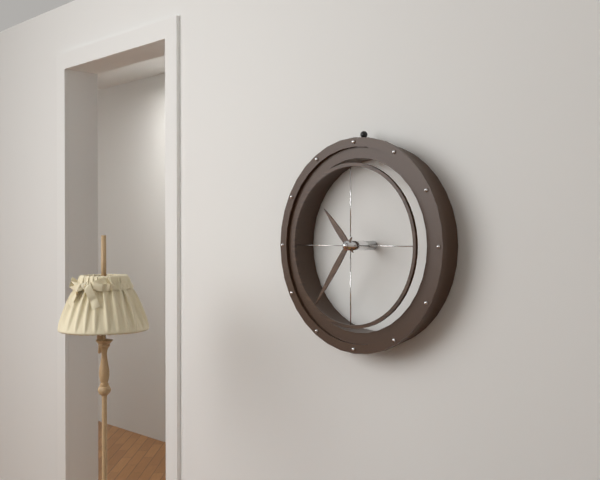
10h36
